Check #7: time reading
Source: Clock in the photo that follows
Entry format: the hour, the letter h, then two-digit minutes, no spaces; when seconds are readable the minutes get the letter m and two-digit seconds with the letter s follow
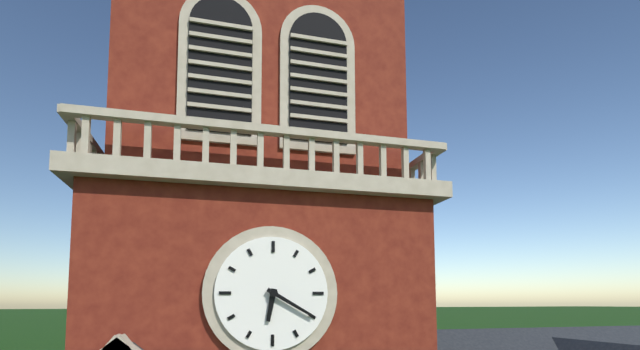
6h20
